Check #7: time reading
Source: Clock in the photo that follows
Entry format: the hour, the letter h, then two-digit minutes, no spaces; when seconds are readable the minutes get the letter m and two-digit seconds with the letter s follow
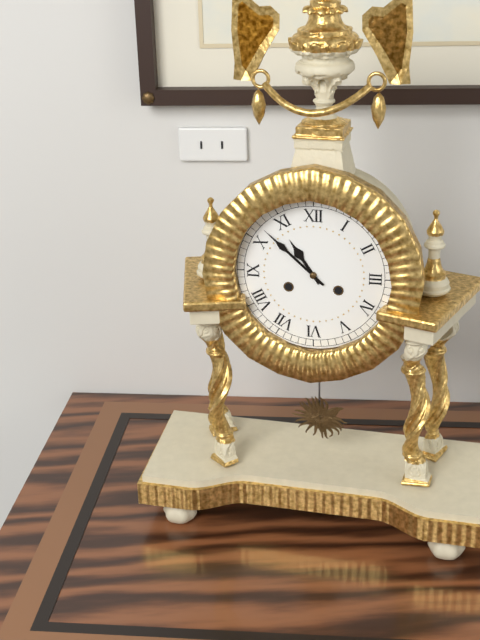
10h52
